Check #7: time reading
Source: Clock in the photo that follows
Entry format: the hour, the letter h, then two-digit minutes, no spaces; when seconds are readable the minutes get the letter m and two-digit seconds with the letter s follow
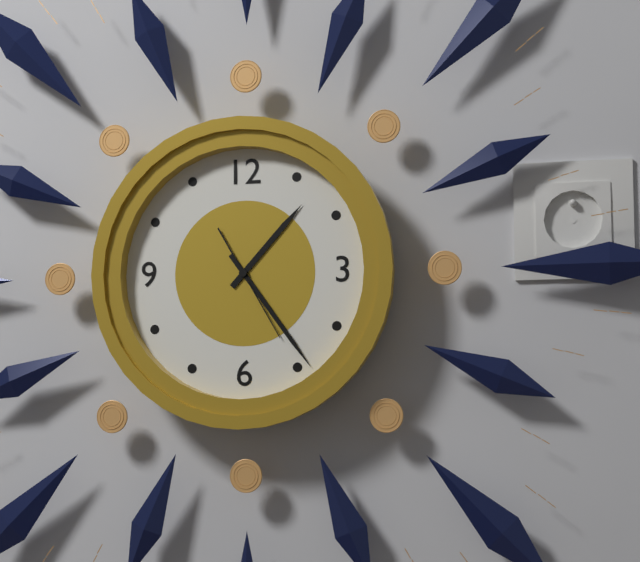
1h24m25s
